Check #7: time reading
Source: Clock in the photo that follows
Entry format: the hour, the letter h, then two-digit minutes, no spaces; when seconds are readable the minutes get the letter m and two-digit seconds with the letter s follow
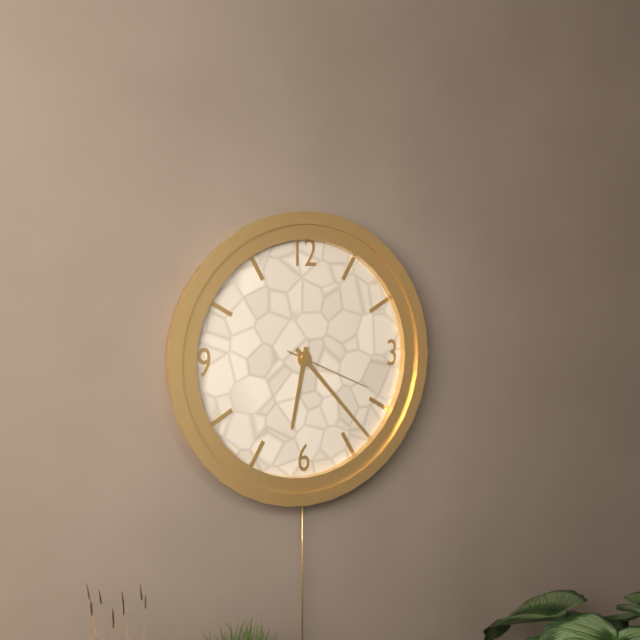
6h23m19s
